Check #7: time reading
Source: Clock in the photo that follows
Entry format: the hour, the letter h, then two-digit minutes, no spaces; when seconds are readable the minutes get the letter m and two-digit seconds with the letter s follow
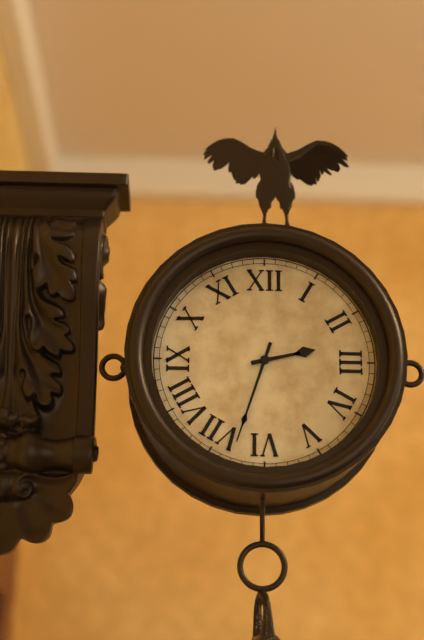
2h33
